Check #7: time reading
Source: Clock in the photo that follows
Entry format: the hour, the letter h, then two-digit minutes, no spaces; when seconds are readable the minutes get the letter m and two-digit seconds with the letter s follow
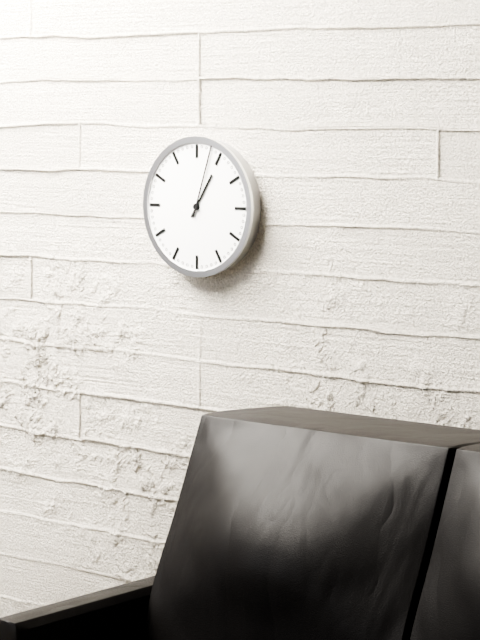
1h03
